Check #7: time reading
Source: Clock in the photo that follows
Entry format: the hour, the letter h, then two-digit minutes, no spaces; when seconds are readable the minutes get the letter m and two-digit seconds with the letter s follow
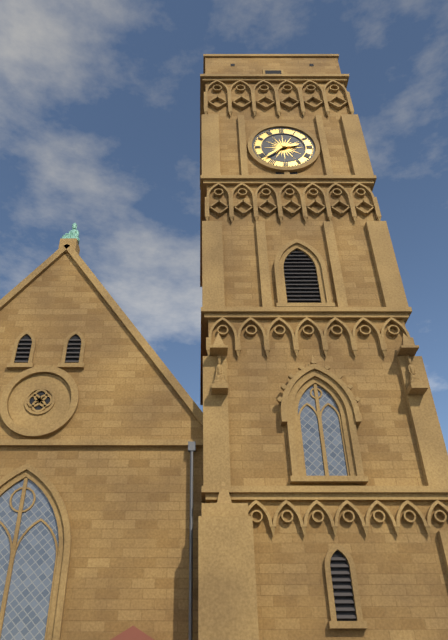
2h38
